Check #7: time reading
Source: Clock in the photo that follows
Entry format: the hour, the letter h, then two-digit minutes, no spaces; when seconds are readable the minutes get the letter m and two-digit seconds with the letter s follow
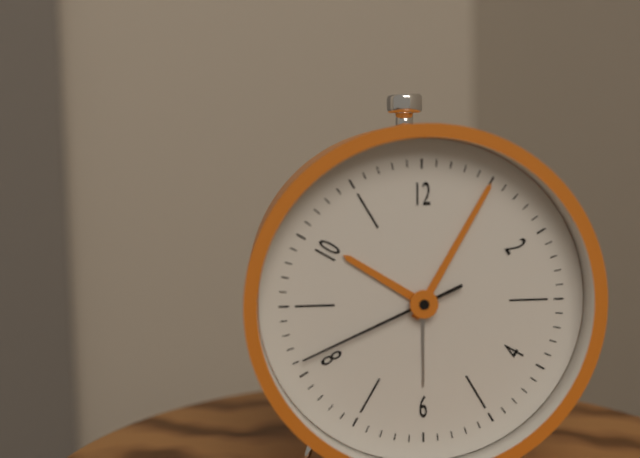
10h05m41s
